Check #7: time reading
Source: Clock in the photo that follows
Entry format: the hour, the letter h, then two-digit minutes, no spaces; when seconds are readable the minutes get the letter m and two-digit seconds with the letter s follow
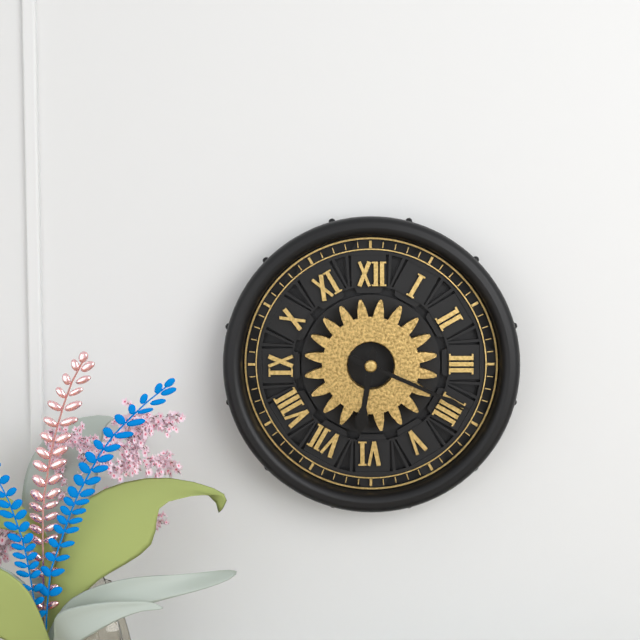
6h19
